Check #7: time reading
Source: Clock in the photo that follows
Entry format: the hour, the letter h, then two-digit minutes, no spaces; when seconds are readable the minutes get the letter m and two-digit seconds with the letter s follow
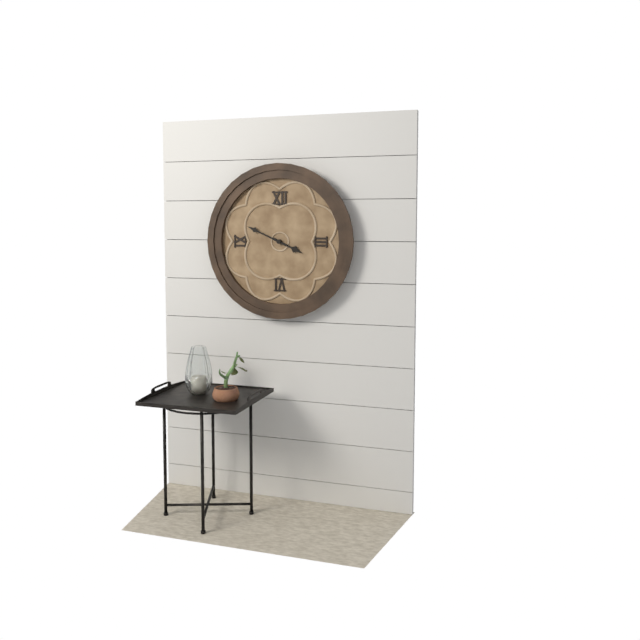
3h49
